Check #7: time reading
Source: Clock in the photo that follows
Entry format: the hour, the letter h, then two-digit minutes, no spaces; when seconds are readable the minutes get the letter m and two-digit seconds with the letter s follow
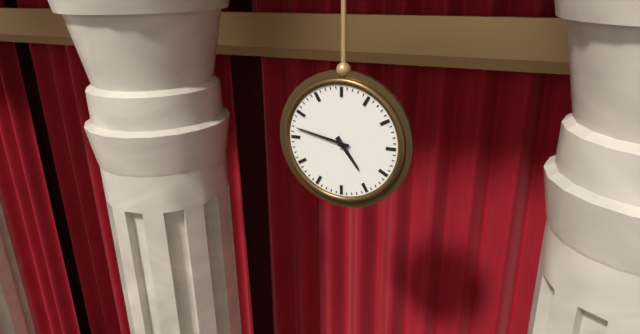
4h47
